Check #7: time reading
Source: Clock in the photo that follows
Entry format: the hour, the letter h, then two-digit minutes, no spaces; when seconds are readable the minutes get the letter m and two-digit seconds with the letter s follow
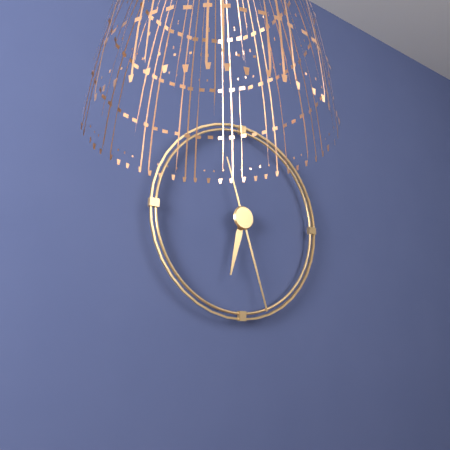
6h27
